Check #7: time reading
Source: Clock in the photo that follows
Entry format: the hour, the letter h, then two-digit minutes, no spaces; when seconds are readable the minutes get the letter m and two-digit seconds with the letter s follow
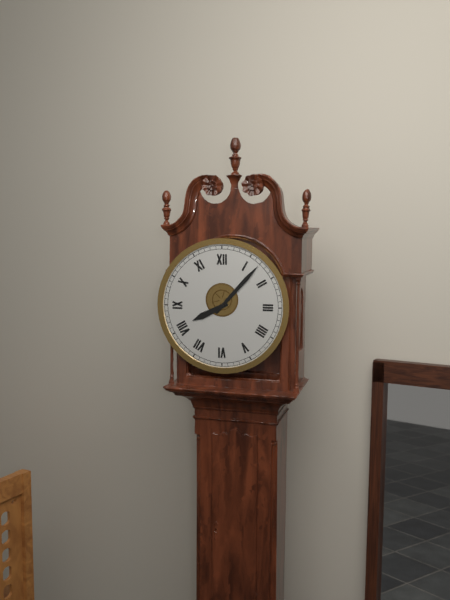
8h07
